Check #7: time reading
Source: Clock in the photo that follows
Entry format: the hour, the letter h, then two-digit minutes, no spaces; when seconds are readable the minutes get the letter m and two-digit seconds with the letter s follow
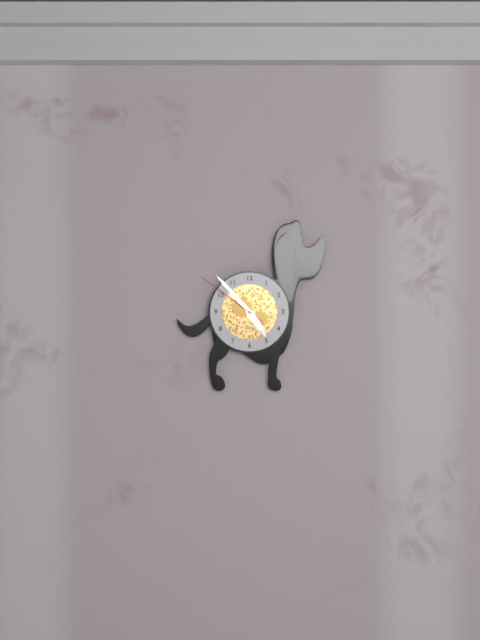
4h53m51s
